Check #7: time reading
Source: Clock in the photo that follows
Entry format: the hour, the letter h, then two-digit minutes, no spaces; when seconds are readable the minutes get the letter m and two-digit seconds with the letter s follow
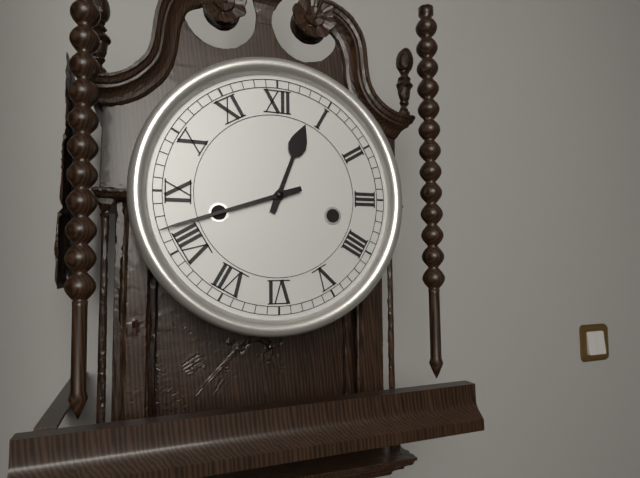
12h42
